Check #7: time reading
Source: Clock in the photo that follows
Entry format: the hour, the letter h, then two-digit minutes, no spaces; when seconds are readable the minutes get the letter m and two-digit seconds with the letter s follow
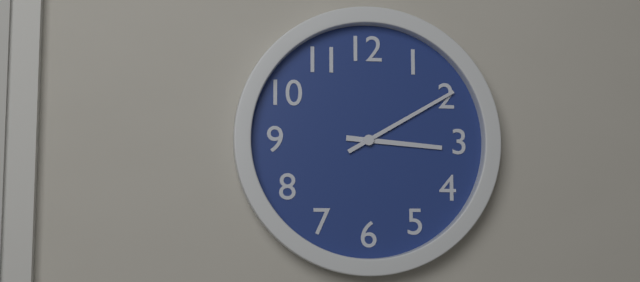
3h10
